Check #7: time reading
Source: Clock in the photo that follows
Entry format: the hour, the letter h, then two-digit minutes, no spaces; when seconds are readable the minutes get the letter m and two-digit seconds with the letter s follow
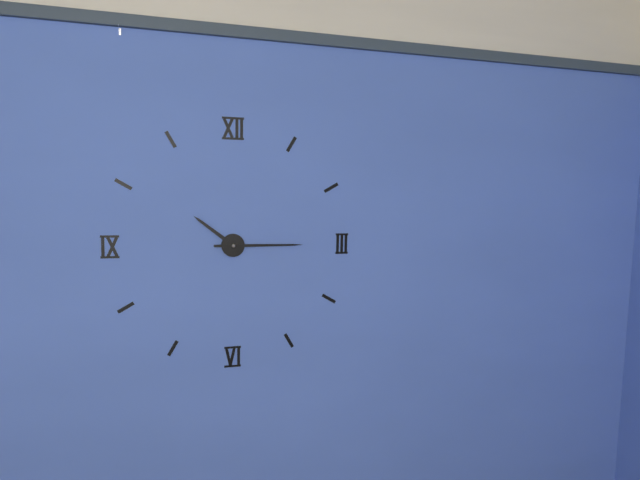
10h15
